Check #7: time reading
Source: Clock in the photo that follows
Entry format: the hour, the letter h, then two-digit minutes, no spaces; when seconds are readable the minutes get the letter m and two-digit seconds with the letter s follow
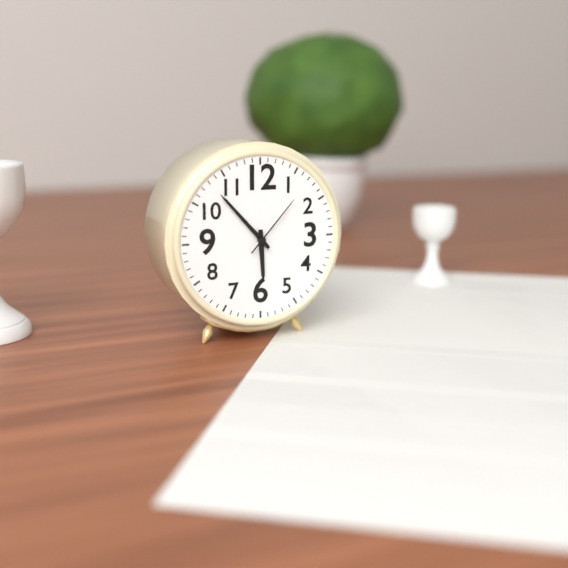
5h53m07s
